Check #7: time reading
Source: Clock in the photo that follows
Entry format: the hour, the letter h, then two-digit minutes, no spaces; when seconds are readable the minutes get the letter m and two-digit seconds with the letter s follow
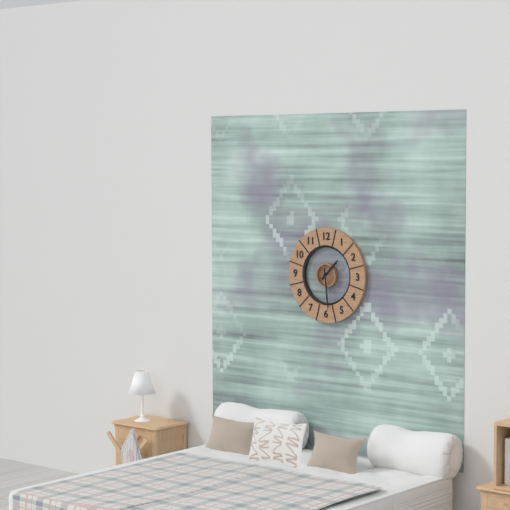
1h29
